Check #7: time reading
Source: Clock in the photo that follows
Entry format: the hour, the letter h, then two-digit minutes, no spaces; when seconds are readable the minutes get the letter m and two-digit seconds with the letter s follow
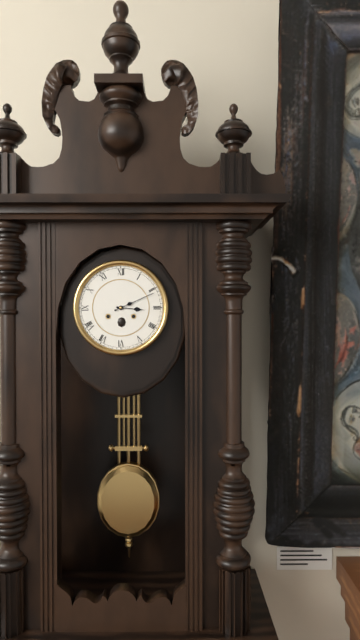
3h11
